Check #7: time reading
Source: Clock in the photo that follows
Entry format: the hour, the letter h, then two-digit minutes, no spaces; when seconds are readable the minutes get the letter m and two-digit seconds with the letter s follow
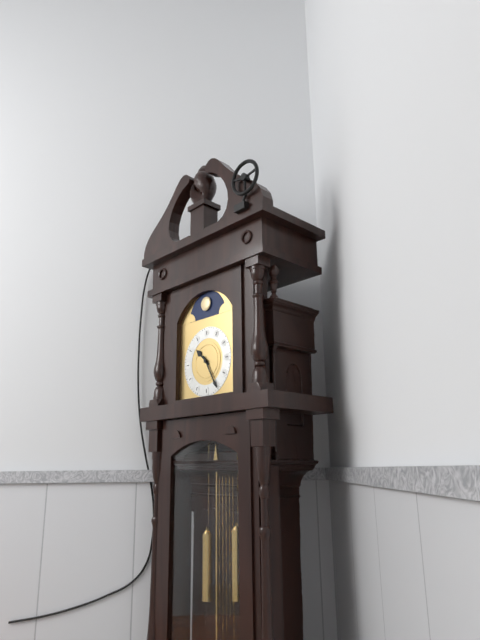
10h25
